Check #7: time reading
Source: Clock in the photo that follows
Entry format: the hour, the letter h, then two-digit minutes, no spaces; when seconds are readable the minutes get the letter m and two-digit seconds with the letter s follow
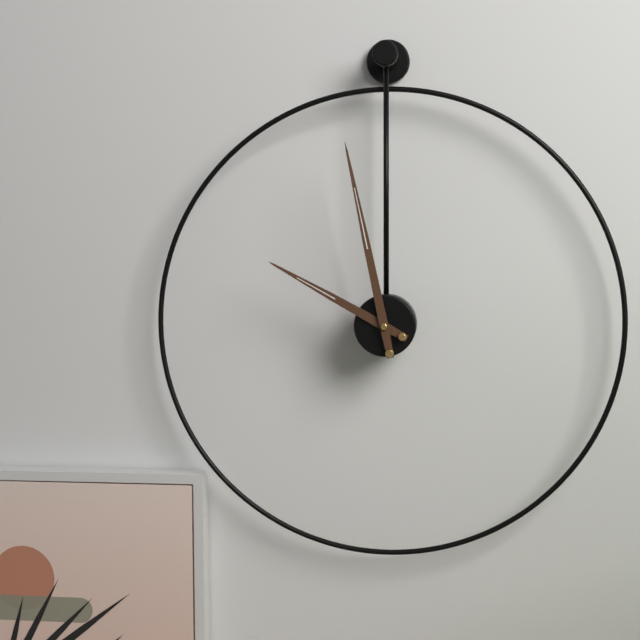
9h58
